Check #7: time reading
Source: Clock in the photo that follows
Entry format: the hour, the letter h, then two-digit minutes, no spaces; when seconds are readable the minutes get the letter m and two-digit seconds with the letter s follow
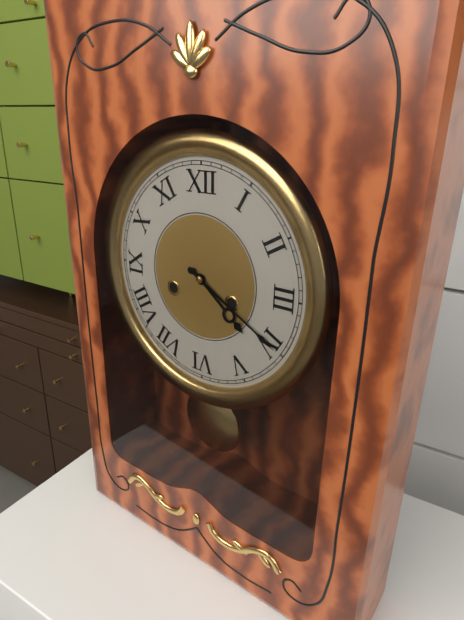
4h20
